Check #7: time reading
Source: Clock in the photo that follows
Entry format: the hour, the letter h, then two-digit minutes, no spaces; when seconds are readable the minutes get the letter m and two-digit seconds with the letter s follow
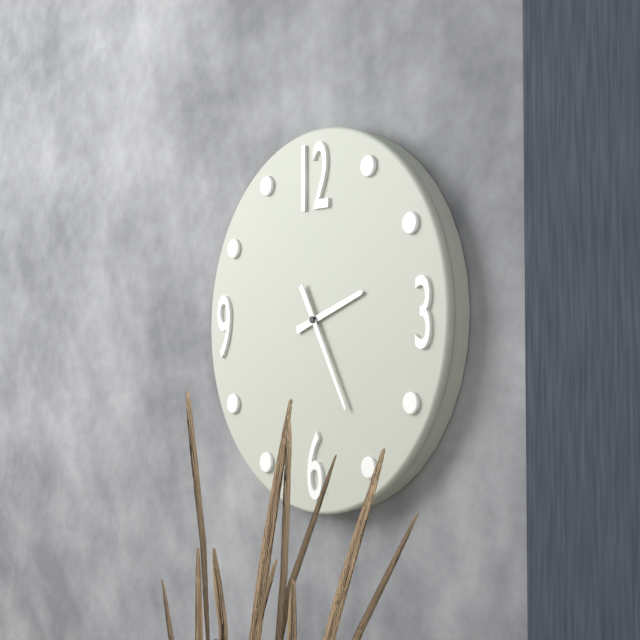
2h25
